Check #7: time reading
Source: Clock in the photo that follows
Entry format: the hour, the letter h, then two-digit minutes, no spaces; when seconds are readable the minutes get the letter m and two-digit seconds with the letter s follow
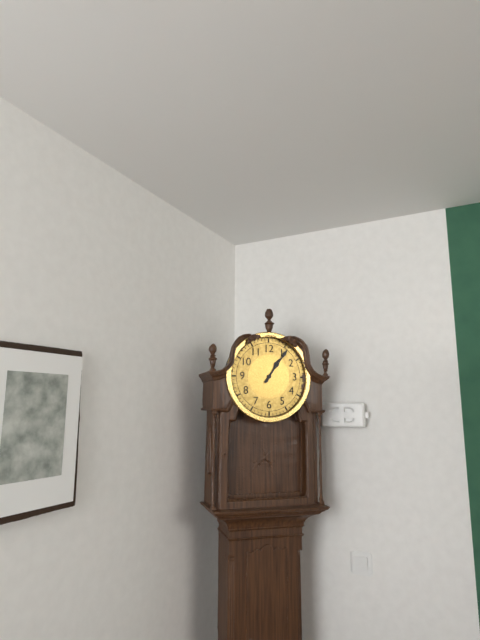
1h06
